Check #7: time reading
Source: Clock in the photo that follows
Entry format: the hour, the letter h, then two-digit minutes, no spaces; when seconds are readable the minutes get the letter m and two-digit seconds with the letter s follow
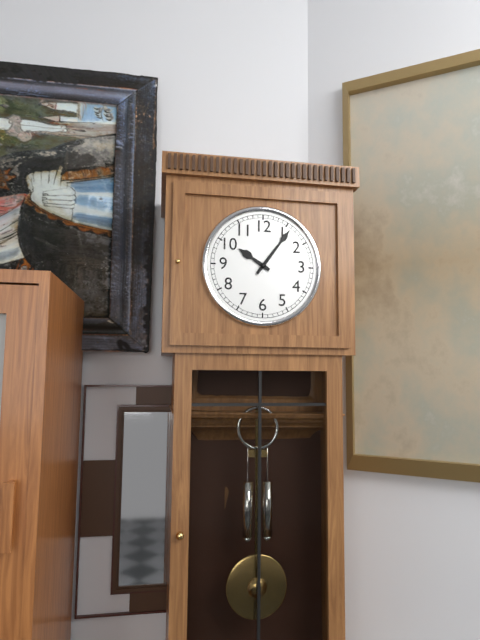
10h06
